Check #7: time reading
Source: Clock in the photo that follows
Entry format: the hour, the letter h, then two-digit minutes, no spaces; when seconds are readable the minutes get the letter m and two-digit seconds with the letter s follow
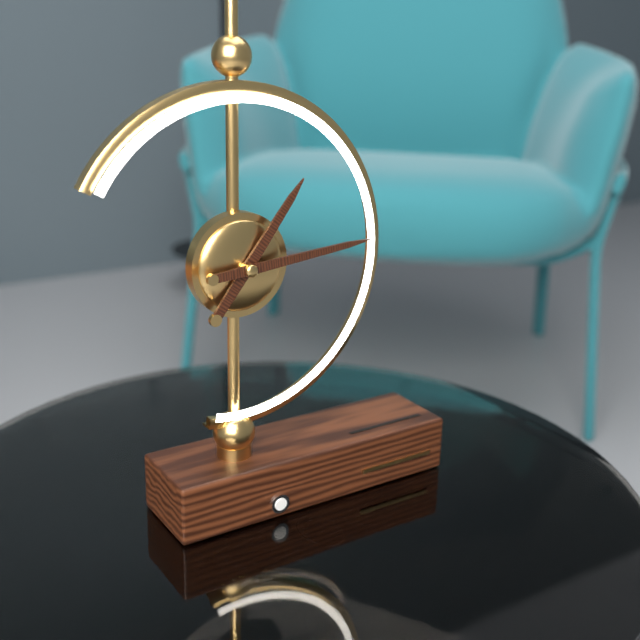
1h14
